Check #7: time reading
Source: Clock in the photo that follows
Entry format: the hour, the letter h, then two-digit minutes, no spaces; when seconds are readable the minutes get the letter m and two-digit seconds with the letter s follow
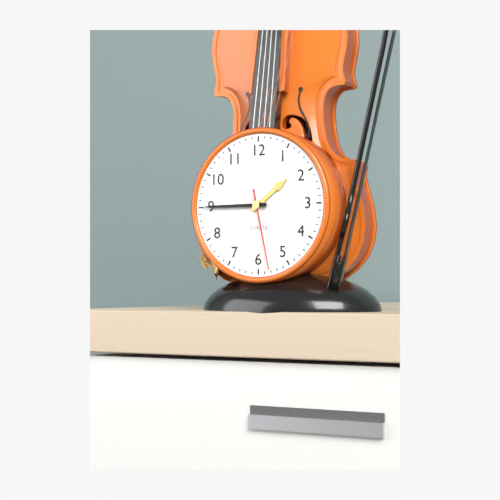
1h45m28s
